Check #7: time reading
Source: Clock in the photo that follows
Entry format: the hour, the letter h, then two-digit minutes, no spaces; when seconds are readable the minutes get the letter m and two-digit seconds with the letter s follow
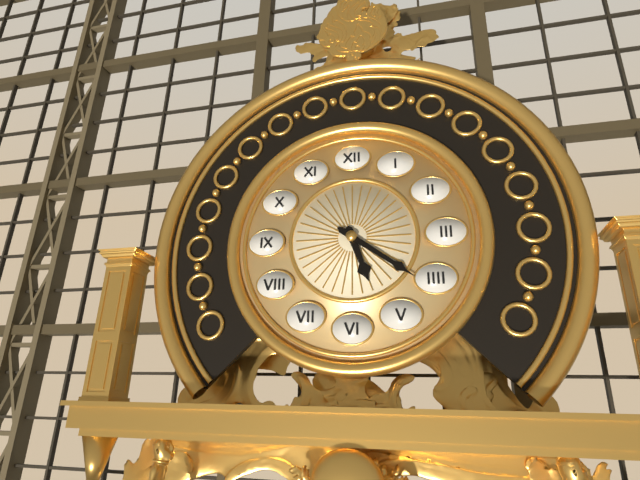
5h21
